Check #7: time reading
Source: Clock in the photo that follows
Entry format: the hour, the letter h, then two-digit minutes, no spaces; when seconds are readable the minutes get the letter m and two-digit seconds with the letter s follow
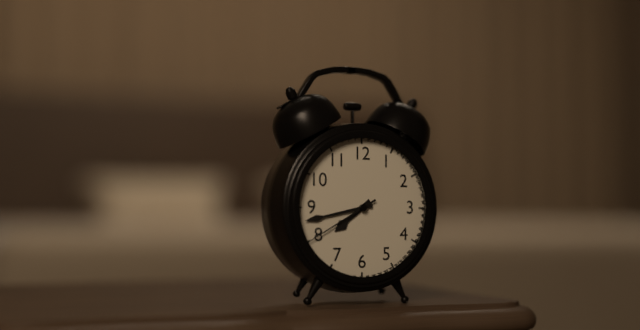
7h43m40s
